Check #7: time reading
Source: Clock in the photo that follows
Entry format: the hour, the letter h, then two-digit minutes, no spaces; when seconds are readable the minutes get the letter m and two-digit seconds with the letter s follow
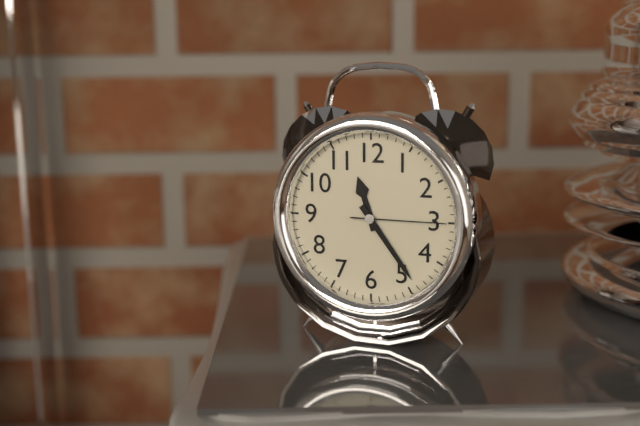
11h24m15s
